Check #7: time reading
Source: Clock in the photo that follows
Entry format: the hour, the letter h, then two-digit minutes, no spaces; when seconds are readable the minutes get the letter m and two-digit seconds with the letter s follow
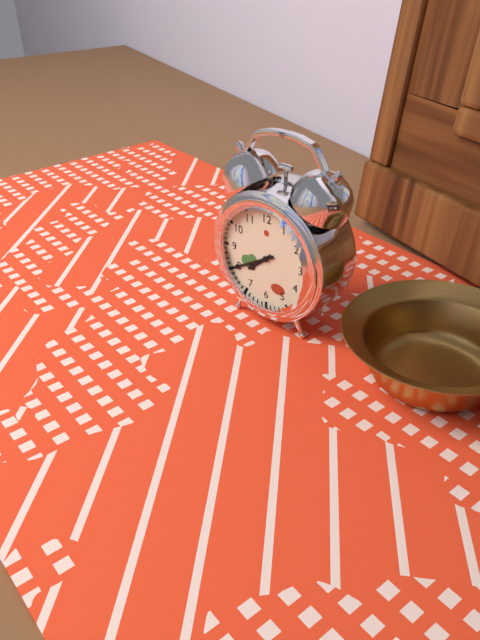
7h40
